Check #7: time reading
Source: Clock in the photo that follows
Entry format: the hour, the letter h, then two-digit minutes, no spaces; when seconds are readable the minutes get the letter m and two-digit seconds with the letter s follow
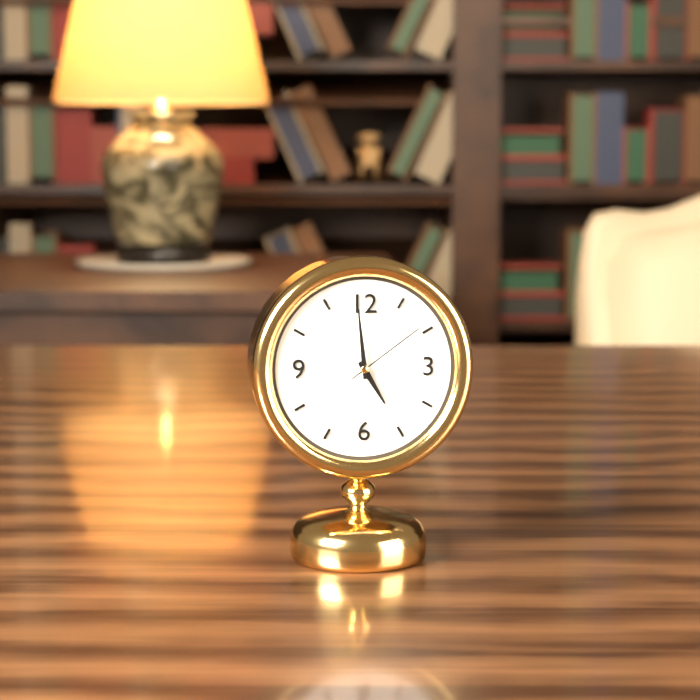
4h59m09s
